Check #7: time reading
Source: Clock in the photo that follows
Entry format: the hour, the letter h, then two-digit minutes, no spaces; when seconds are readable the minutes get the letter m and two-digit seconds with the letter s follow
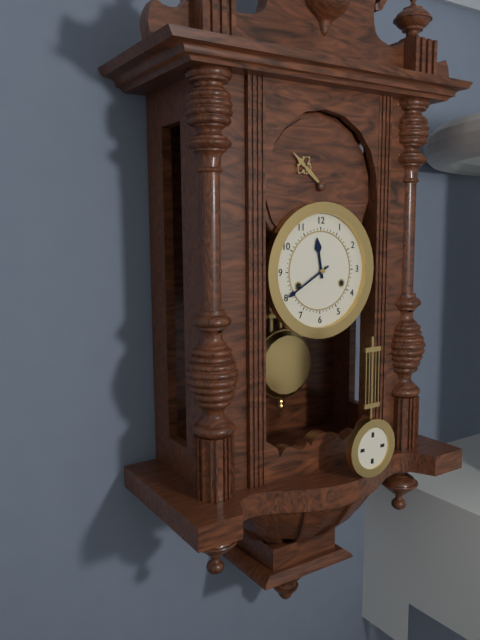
11h40
